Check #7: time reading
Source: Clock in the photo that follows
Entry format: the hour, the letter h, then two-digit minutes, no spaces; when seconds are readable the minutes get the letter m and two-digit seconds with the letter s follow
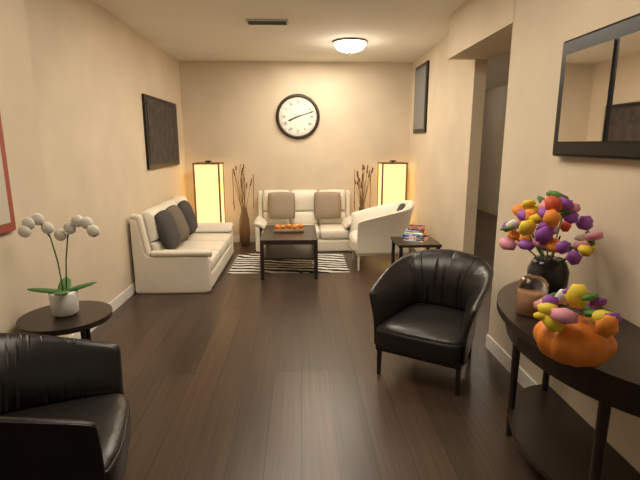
8h12
